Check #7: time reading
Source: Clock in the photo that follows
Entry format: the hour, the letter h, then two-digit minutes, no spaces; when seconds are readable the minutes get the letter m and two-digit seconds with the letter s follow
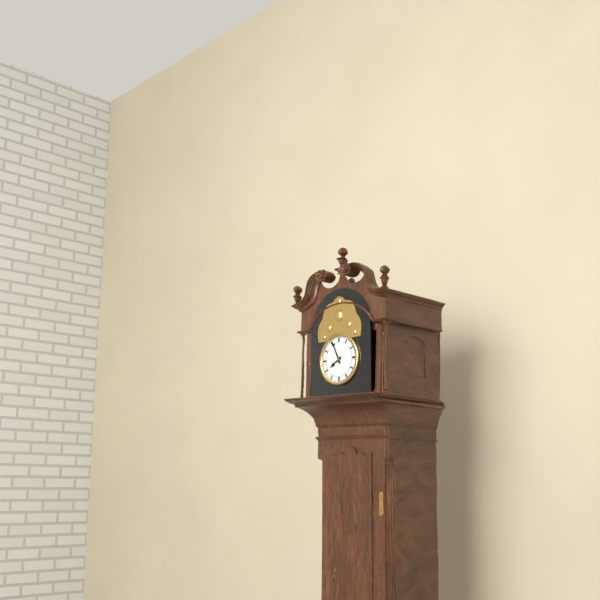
7h56
